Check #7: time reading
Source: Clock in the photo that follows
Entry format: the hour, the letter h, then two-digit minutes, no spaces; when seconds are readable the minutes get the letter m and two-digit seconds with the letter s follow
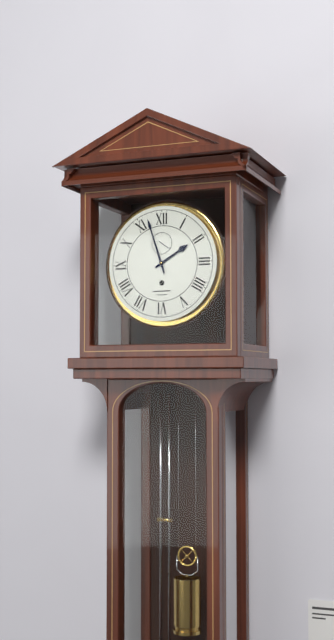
1h57
